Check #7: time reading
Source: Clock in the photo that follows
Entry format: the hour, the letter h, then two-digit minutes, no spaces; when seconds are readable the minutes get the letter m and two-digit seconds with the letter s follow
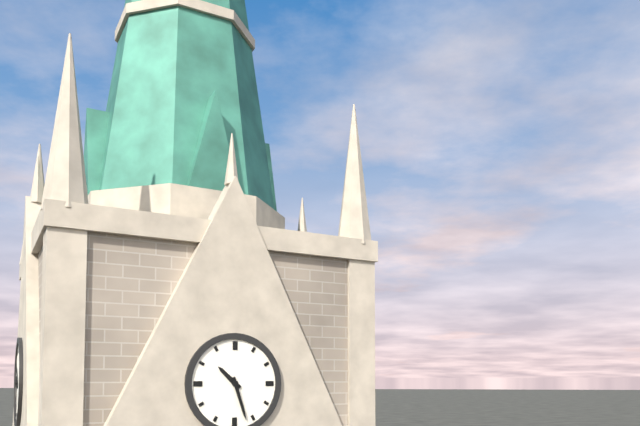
10h27
